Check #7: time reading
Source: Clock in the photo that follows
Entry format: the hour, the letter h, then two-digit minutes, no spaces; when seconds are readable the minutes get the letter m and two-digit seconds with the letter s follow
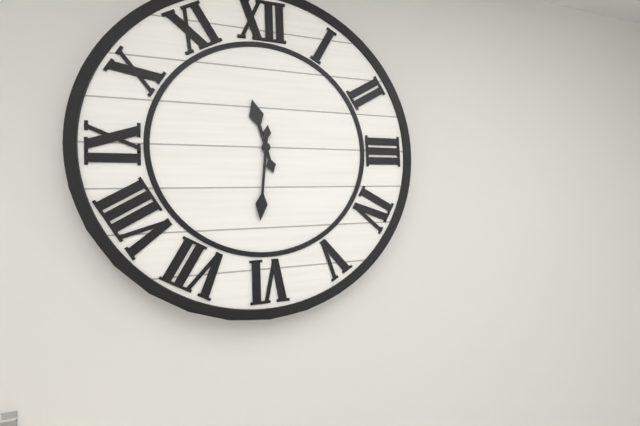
11h31
